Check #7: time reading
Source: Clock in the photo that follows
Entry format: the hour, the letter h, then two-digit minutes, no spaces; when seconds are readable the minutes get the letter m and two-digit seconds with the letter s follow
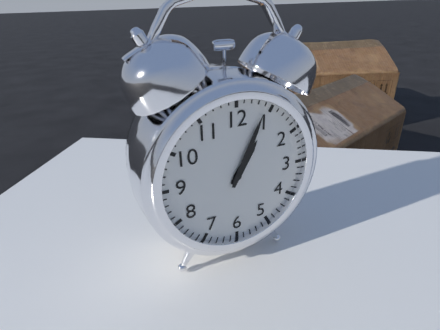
1h04
